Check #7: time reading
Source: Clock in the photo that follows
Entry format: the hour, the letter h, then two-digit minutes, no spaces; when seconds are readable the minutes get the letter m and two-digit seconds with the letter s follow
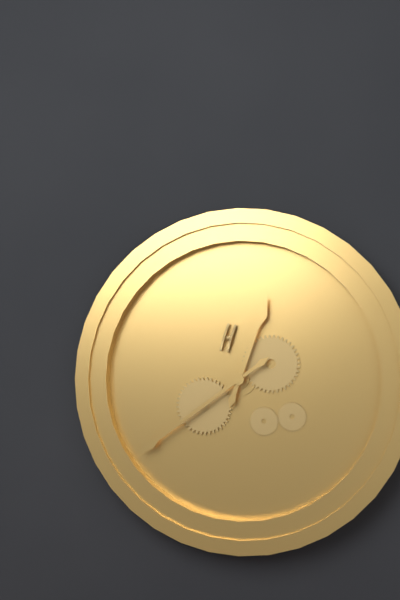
12h39
